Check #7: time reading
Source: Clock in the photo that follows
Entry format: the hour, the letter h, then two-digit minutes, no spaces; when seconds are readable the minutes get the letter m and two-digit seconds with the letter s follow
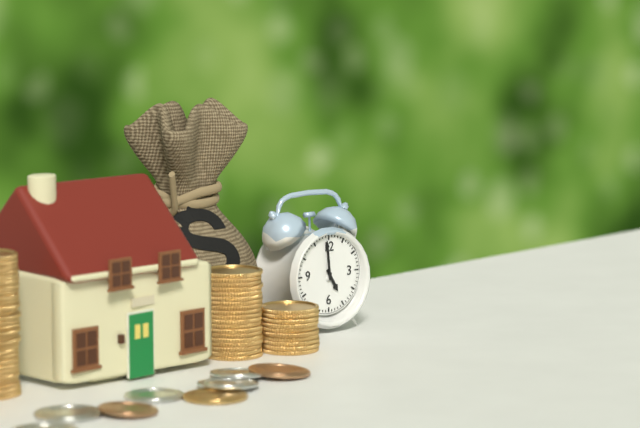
4h59
